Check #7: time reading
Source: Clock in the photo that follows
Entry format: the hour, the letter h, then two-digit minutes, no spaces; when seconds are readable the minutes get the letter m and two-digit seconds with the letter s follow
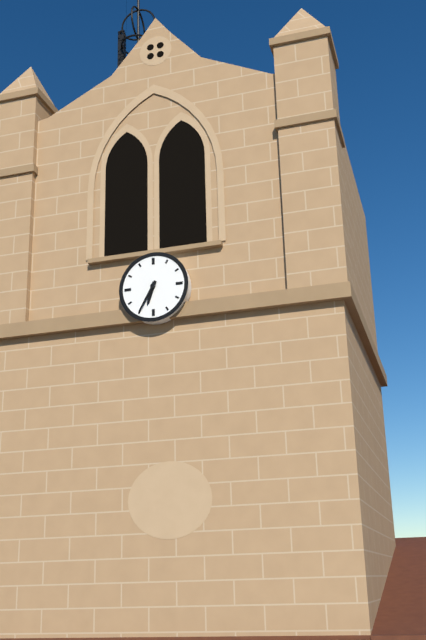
6h35
